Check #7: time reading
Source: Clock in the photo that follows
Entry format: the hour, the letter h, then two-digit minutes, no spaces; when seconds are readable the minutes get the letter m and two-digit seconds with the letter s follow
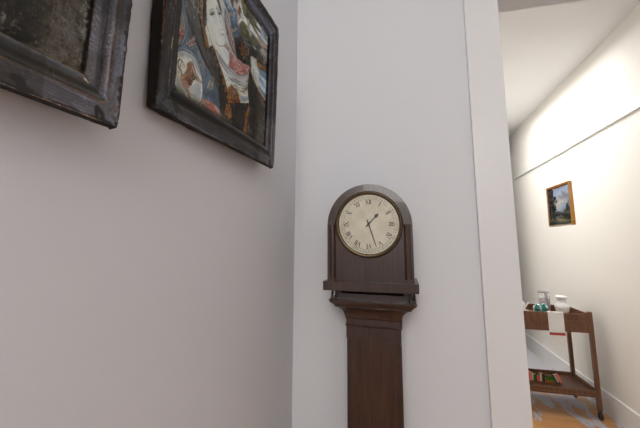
1h27
